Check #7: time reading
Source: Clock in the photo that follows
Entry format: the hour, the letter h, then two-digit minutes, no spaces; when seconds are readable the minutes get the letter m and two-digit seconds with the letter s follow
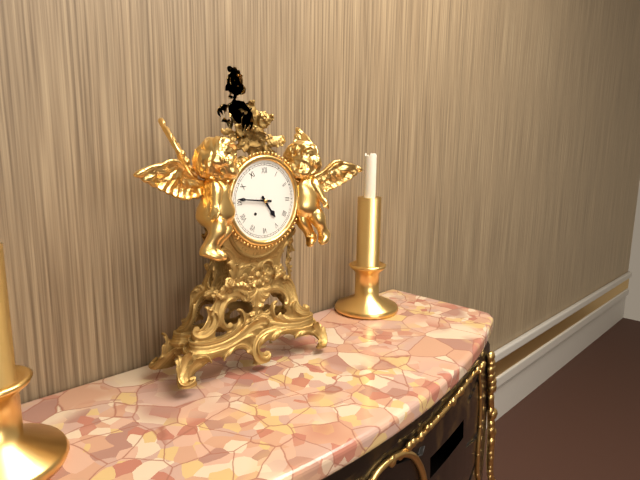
4h46
